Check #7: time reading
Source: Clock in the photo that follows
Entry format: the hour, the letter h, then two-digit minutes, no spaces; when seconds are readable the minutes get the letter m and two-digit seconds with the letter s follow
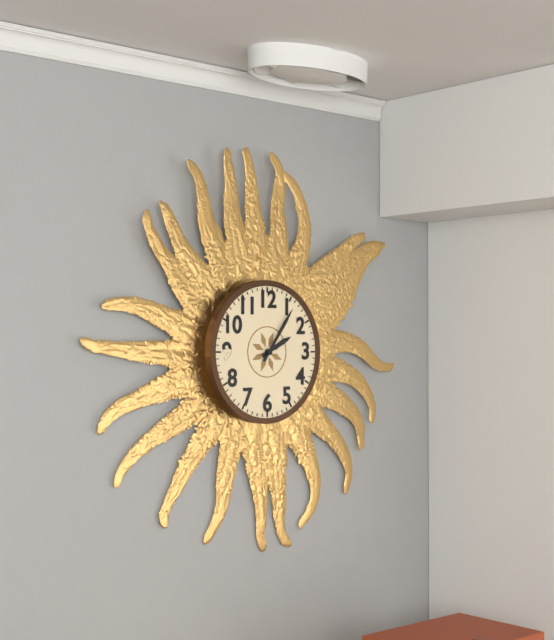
2h06
